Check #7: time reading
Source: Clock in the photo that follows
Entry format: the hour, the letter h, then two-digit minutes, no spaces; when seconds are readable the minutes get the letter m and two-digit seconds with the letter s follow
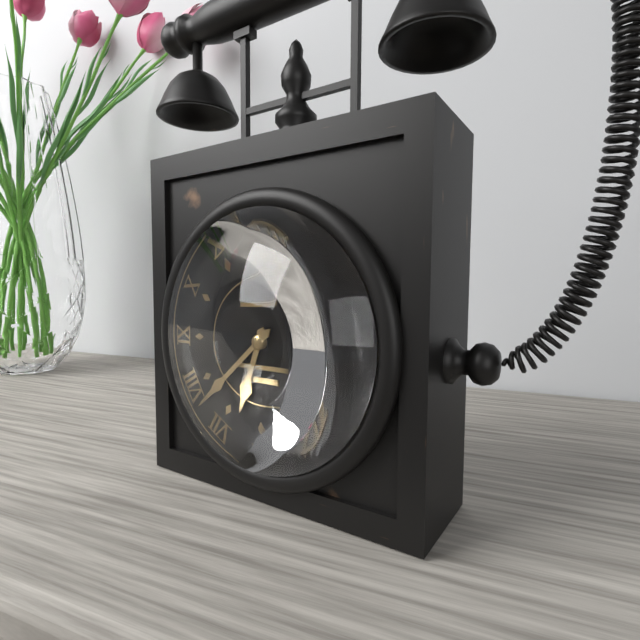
6h38
